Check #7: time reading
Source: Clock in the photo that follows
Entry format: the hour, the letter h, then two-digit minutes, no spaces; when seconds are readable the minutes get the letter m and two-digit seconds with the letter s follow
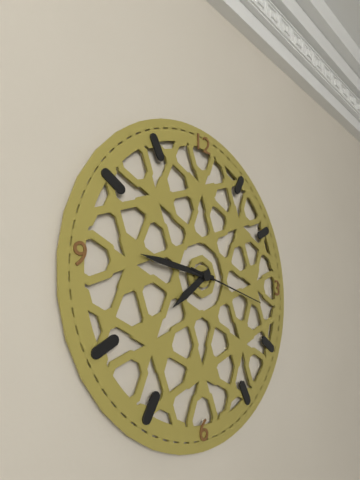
7h46m17s
